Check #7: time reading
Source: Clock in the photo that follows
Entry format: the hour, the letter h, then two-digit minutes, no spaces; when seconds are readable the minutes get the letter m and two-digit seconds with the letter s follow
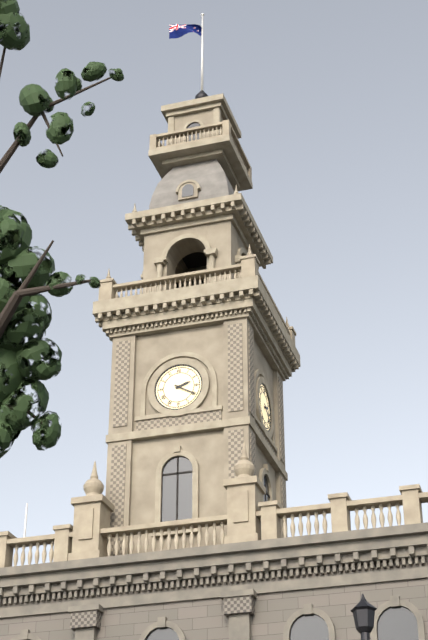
2h20
